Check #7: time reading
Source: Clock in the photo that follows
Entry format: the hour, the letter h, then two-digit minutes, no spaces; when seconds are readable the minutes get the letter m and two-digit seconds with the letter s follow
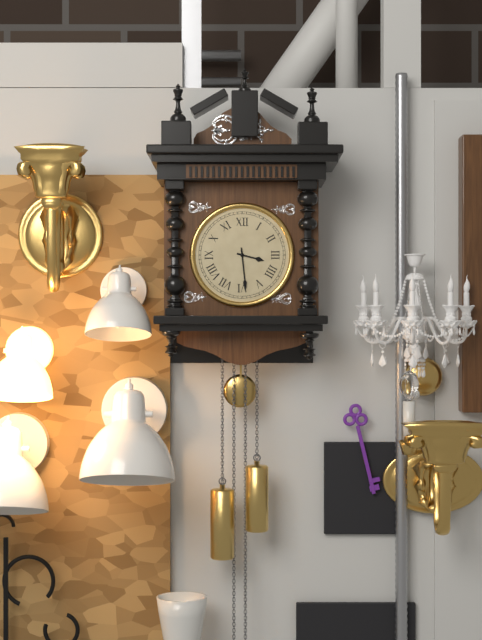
3h29
